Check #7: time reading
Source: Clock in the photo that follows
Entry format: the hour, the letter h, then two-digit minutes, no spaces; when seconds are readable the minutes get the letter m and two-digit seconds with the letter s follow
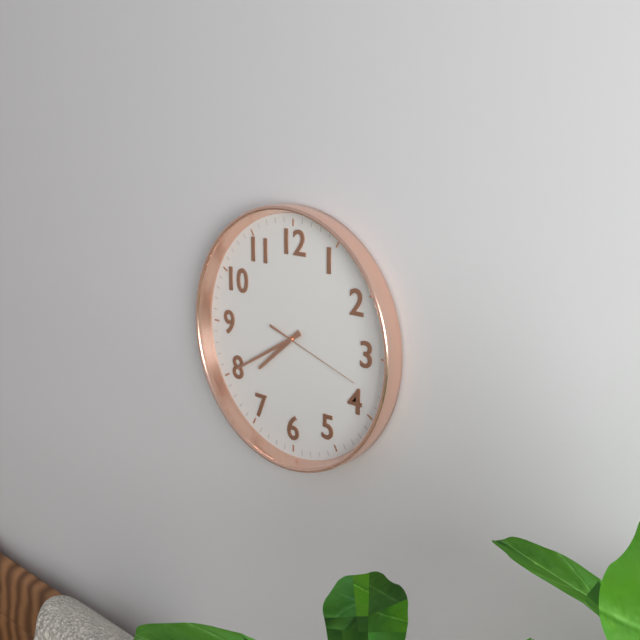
7h40m18s
